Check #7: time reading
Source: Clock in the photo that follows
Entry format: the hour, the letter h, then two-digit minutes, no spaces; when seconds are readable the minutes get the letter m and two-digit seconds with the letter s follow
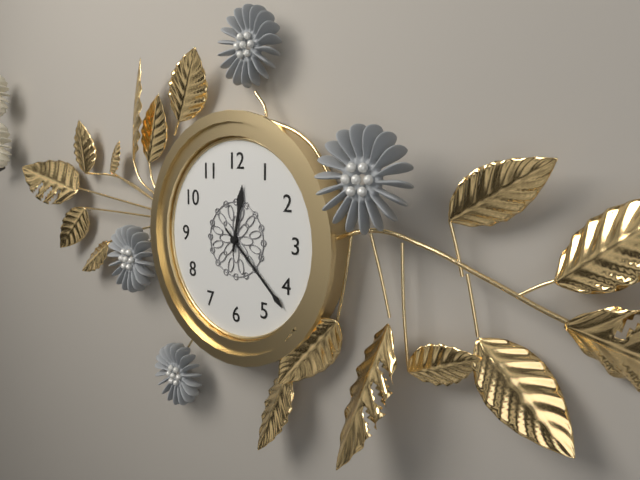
12h22
